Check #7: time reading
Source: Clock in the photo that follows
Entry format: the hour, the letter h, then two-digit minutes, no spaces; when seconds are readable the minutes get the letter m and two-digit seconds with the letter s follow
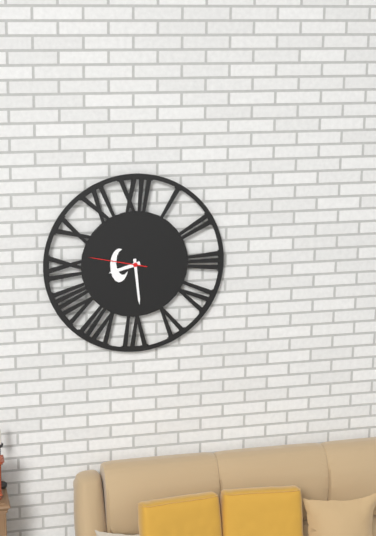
8h29m47s
